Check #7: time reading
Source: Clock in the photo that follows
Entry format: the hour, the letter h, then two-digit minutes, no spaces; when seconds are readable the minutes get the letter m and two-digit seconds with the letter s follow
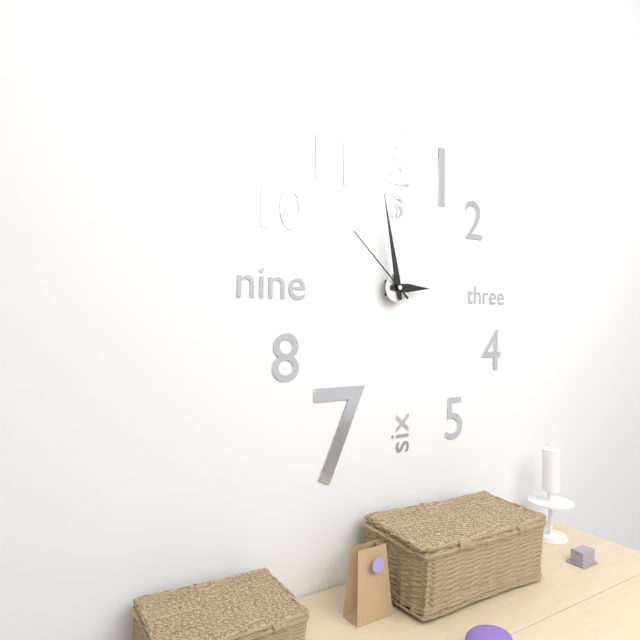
2h58m52s
